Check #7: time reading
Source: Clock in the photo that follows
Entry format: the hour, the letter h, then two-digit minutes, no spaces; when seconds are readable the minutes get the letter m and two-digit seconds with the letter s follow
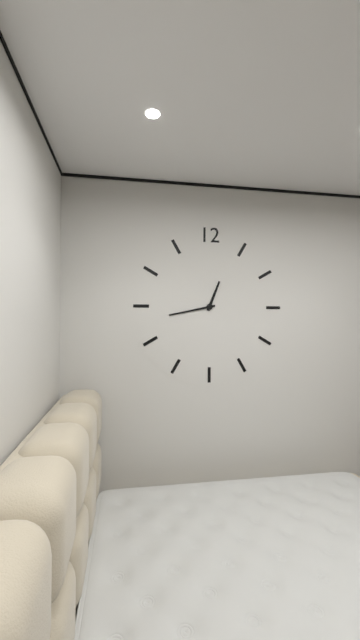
12h43
